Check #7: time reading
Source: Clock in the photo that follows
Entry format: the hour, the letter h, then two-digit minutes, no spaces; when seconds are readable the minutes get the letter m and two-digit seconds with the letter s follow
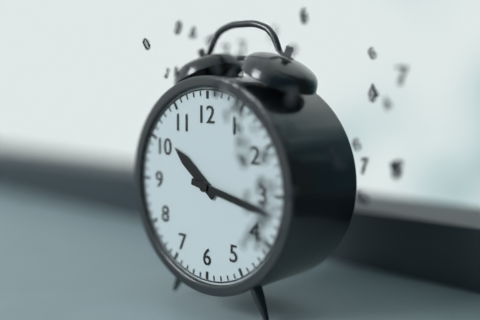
10h17
